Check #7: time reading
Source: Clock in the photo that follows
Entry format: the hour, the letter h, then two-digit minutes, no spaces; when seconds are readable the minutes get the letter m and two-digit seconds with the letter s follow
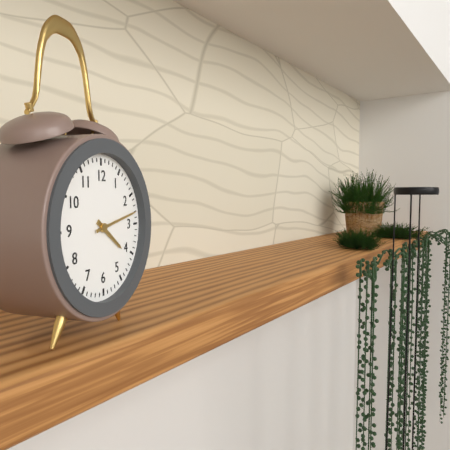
4h13
